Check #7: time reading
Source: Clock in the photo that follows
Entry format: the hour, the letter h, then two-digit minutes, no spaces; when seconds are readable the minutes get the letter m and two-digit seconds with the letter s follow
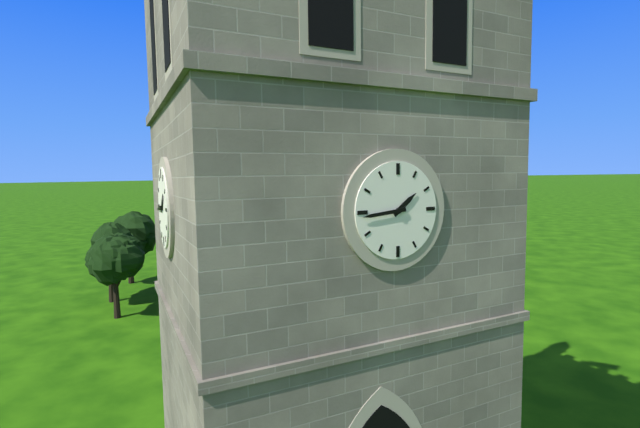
1h44
